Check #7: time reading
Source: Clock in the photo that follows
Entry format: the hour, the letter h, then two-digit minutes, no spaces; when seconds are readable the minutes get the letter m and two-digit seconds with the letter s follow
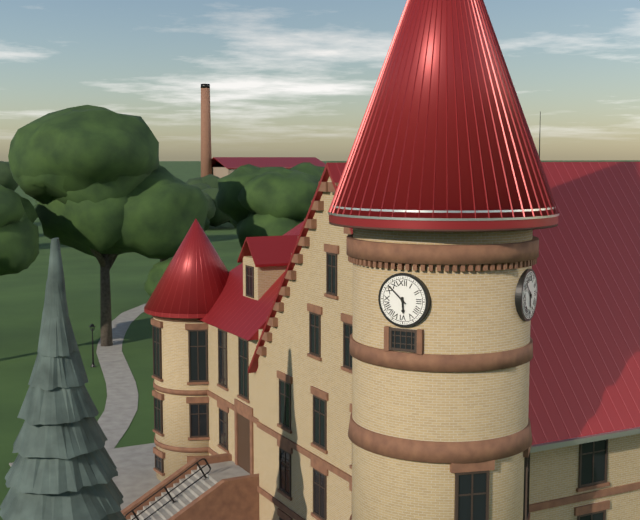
5h52
